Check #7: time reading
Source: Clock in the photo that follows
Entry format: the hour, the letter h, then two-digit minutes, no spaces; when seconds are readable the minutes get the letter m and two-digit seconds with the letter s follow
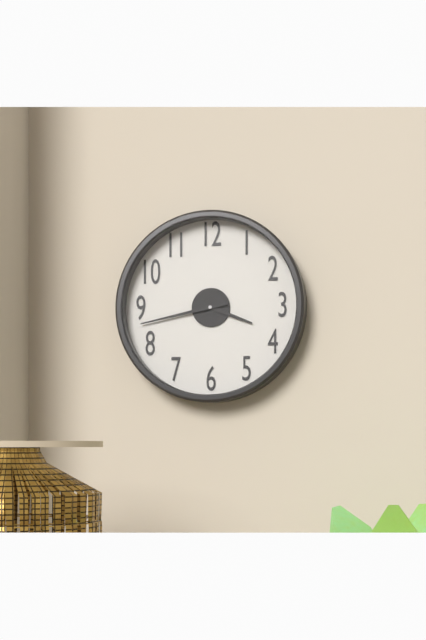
3h43
